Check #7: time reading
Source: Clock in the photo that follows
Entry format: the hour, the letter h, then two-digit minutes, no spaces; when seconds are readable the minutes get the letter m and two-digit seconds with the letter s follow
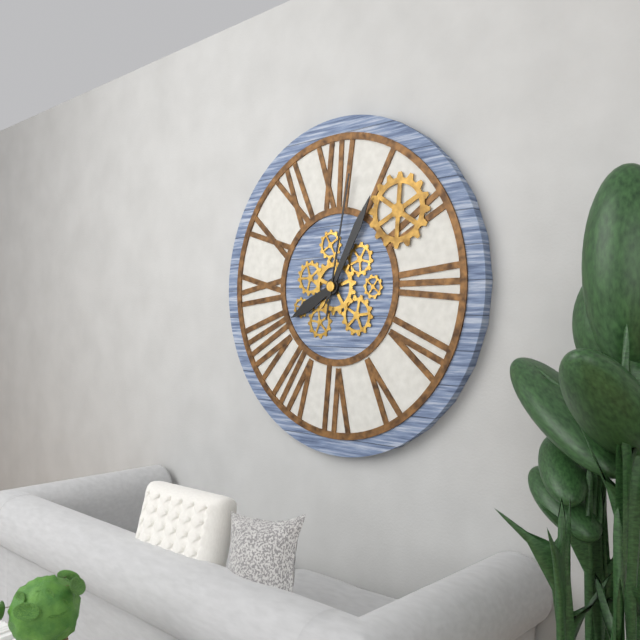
8h05m02s
